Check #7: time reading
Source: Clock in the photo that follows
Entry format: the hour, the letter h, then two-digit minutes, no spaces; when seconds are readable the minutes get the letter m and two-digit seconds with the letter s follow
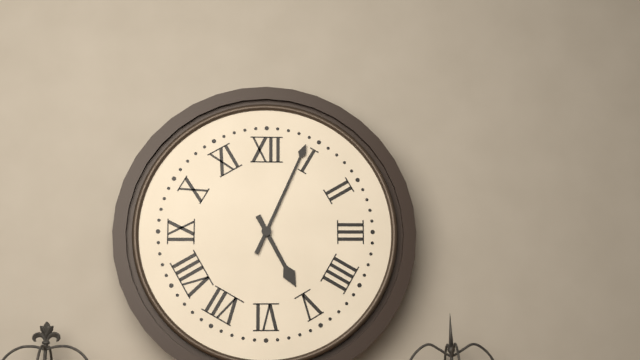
5h04
